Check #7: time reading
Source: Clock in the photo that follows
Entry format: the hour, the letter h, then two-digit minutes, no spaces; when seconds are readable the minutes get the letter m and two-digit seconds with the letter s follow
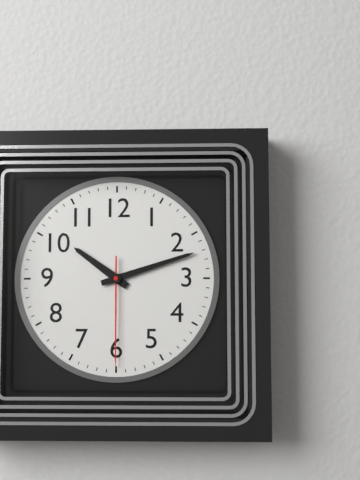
10h12m30s
